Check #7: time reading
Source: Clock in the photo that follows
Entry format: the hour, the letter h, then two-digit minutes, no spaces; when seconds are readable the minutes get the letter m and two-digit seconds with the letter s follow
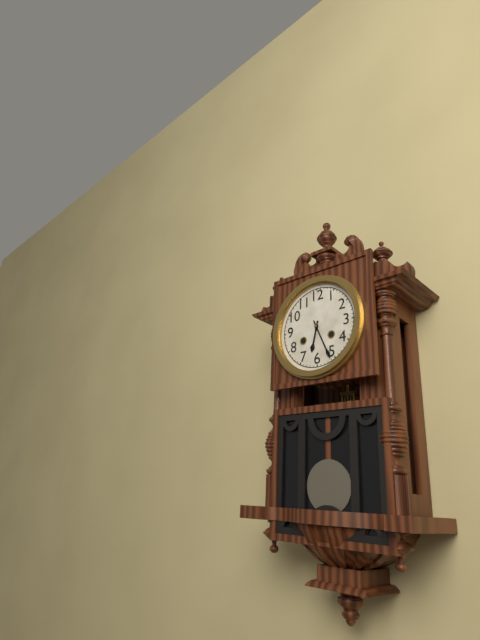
6h26
